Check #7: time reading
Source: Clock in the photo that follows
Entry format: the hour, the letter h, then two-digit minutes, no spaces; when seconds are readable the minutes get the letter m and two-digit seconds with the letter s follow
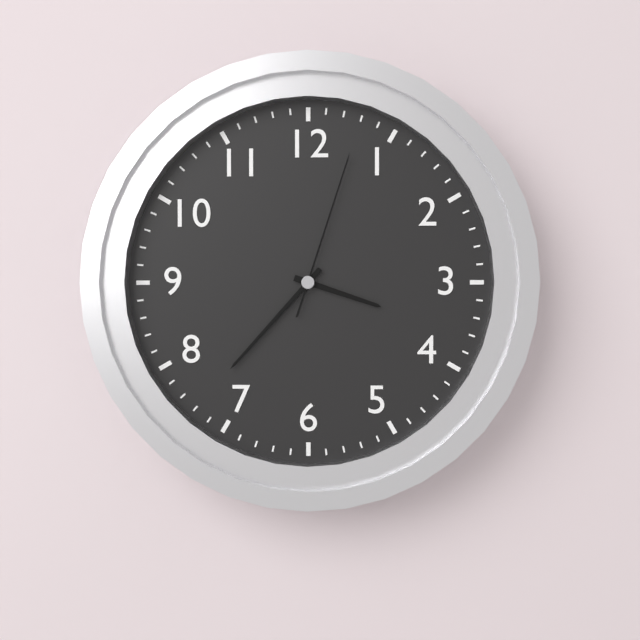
3h37m03s
